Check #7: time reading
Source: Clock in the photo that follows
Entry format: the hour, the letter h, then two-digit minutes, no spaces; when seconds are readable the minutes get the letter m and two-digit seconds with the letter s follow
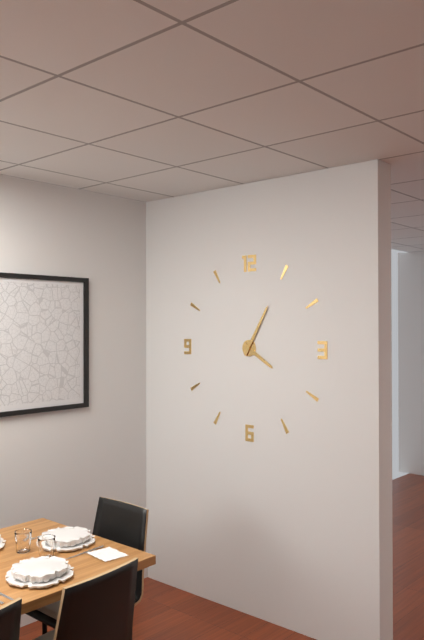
4h05
